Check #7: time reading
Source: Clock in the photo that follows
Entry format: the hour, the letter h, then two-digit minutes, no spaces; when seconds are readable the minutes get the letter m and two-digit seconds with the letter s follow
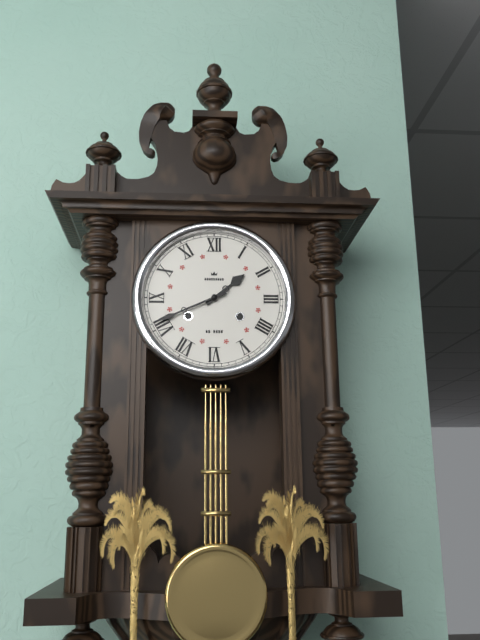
1h41
